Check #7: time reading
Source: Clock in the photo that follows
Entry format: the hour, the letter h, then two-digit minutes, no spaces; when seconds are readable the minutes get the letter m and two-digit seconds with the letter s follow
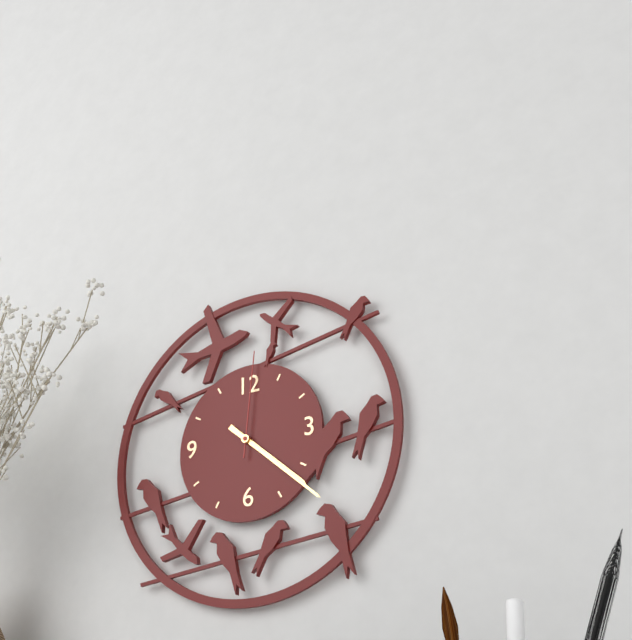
4h22m01s
